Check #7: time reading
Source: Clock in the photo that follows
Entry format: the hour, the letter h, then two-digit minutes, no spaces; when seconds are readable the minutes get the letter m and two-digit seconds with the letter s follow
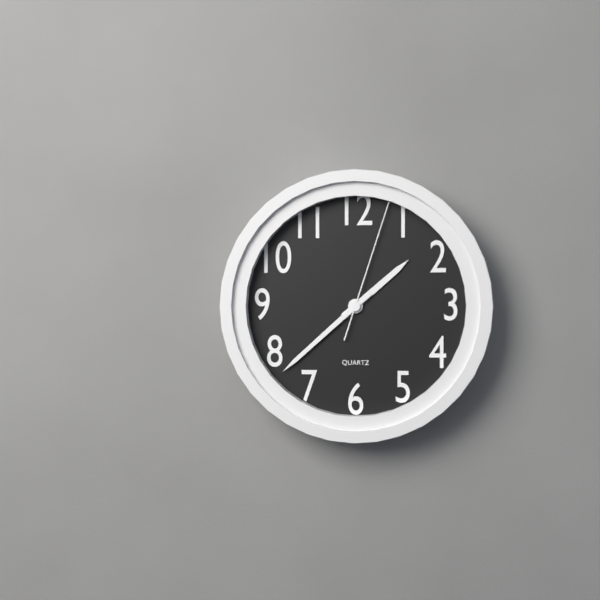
1h38m03s
